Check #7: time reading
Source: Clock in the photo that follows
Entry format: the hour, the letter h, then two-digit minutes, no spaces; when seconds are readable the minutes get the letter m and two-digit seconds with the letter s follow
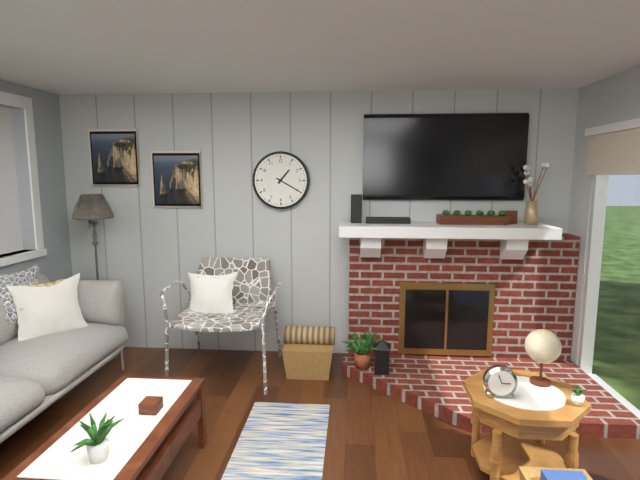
1h20
